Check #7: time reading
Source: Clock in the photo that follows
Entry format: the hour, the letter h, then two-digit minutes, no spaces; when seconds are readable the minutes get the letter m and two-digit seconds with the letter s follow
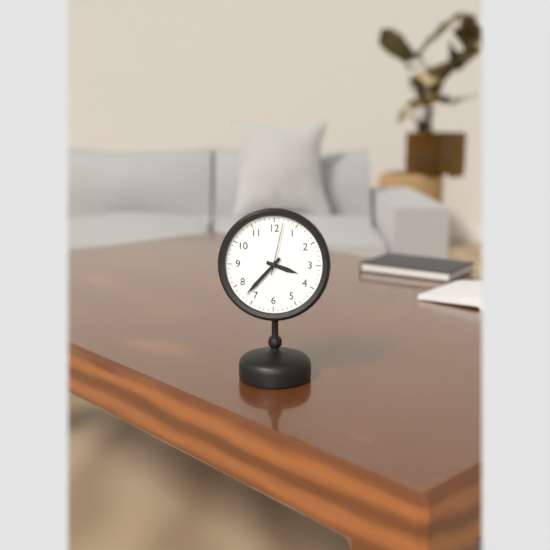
3h37m02s
